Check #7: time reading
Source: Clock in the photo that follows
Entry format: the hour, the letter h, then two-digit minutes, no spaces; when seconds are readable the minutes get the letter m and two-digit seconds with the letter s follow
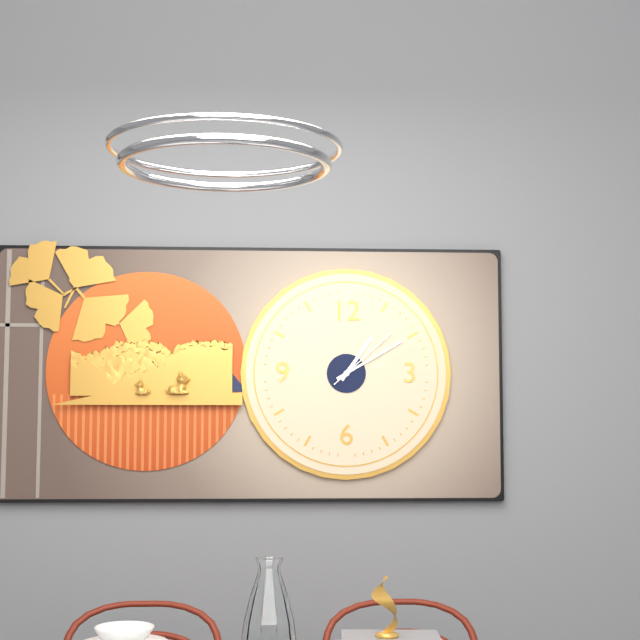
1h10m08s
